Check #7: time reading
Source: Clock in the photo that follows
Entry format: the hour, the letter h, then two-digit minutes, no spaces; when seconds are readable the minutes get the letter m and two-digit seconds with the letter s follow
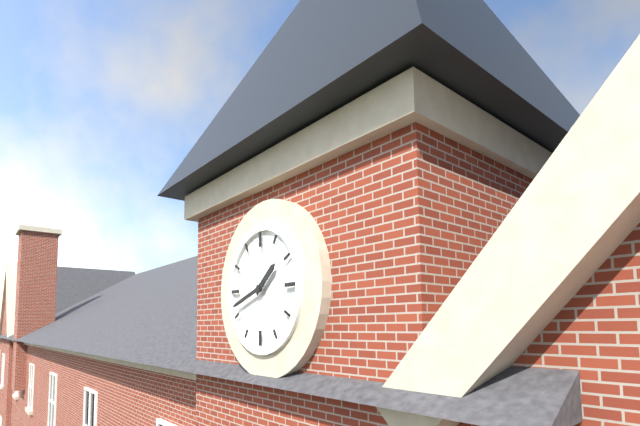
1h42
